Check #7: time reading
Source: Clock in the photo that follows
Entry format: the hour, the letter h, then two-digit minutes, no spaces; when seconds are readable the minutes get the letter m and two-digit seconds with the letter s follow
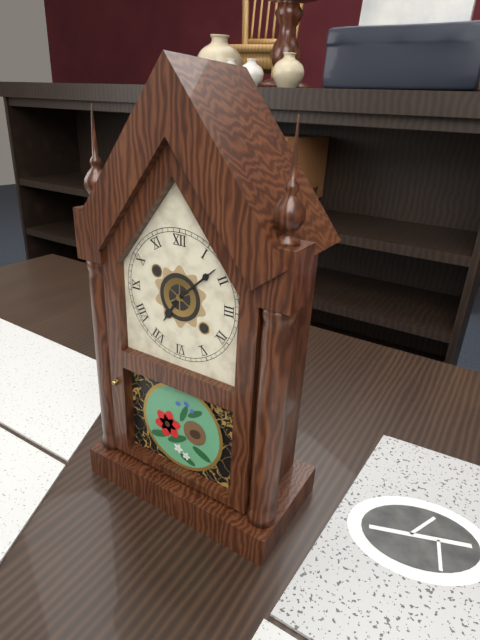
7h08
